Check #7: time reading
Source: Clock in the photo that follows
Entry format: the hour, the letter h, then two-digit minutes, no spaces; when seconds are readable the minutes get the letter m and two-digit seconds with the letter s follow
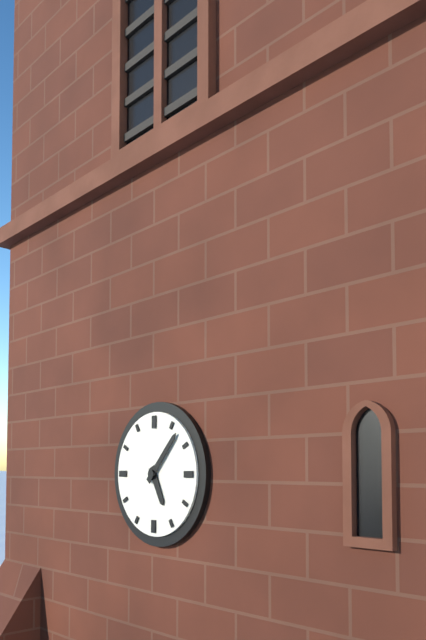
5h07
